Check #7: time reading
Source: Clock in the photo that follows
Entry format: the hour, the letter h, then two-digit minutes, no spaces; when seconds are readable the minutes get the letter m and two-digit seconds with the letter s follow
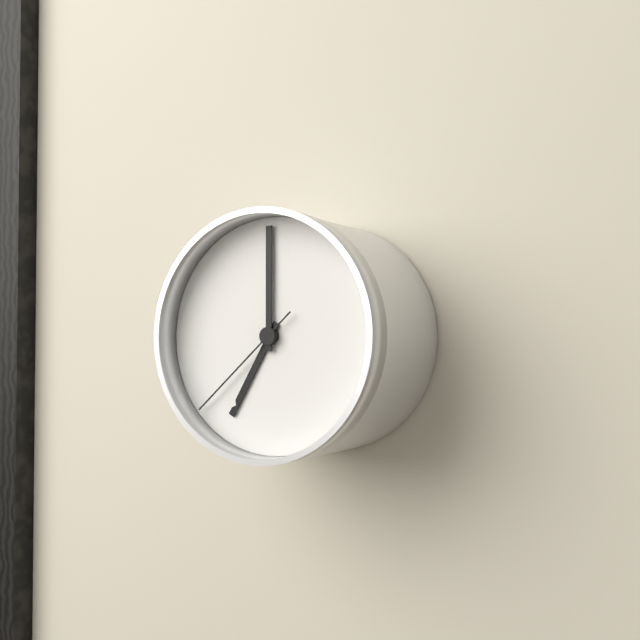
7h00m38s
